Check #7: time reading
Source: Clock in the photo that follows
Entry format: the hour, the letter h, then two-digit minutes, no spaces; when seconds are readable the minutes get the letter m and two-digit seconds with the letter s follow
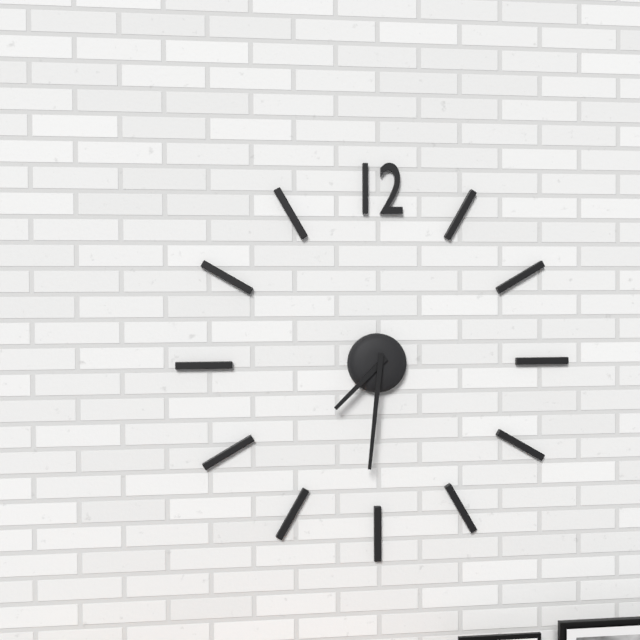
7h31
